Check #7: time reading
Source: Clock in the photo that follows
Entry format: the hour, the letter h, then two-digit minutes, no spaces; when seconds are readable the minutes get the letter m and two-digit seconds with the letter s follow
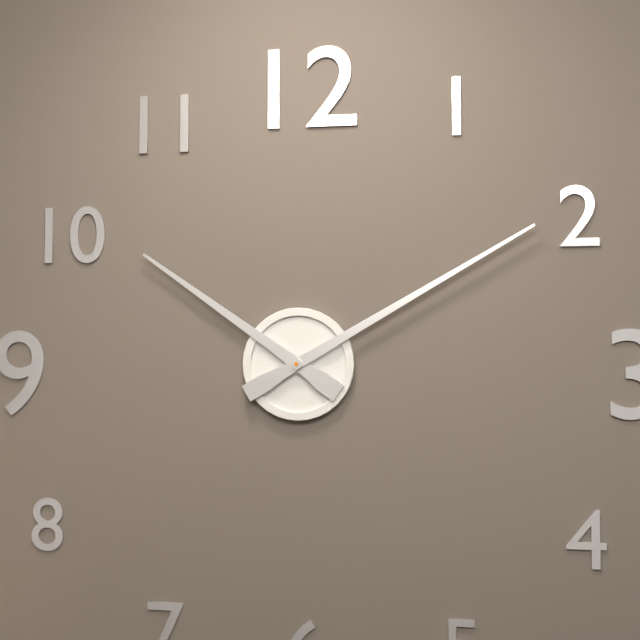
10h10
